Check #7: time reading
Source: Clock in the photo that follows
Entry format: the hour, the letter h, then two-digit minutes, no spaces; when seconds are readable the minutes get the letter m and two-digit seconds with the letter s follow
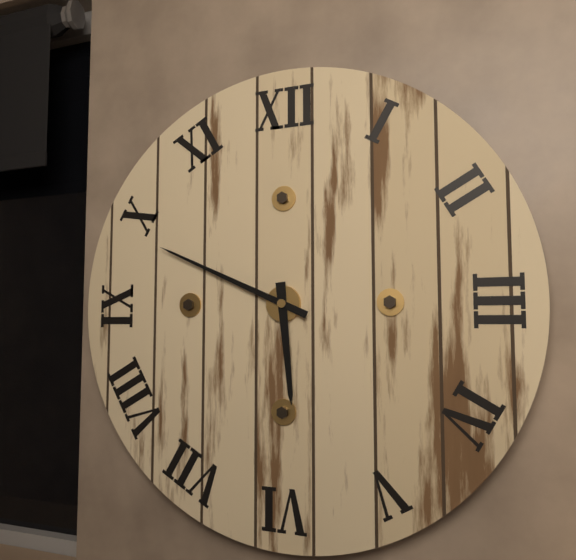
5h49
